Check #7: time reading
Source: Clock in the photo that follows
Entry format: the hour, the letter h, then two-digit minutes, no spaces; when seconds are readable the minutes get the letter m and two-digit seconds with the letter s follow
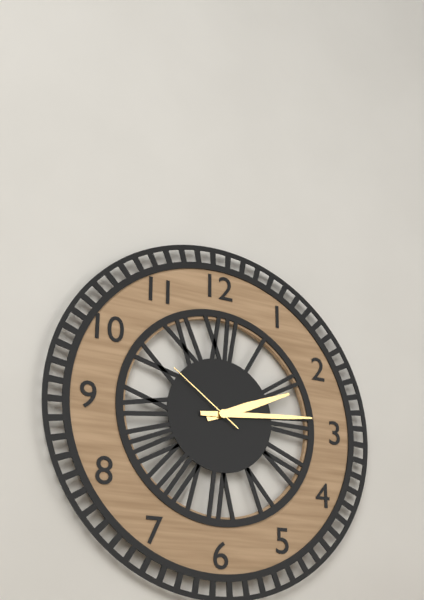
2h14m51s
